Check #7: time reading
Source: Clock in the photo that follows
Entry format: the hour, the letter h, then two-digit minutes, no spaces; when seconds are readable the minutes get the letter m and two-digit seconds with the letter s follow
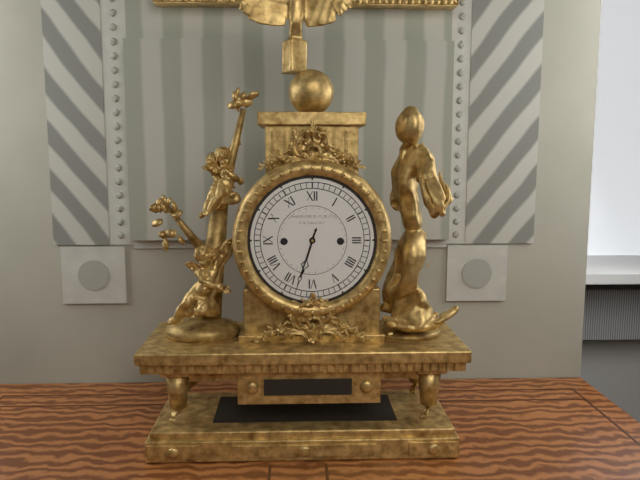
6h33
